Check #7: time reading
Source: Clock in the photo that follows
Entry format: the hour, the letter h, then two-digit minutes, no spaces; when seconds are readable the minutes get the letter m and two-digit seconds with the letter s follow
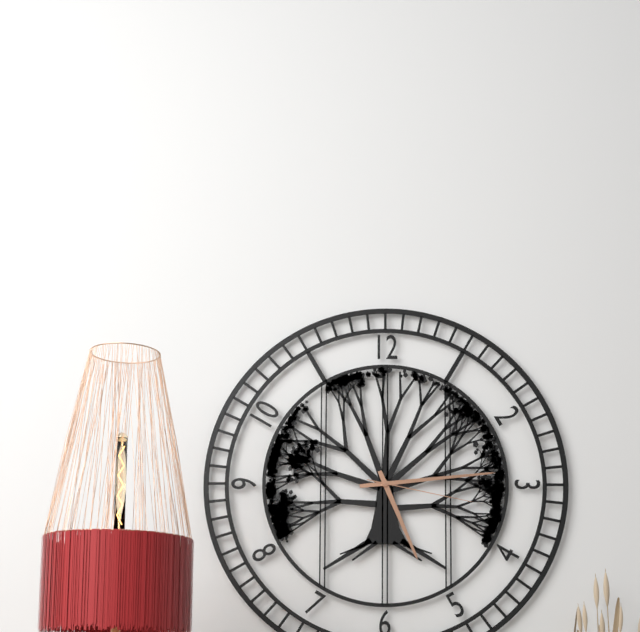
5h14m17s
